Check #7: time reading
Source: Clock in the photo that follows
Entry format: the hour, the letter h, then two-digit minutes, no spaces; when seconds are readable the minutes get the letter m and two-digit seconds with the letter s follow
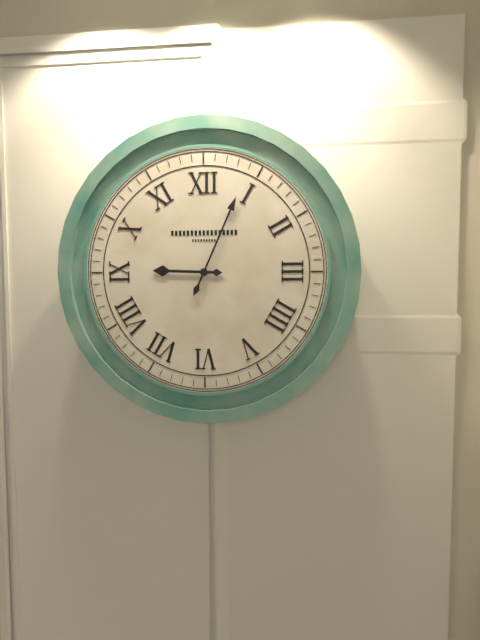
9h04
